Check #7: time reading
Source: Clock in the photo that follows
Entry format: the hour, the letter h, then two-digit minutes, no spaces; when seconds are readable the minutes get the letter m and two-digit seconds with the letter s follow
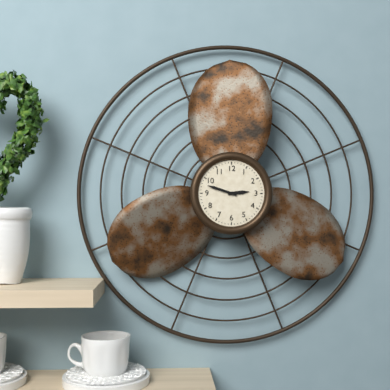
2h48
